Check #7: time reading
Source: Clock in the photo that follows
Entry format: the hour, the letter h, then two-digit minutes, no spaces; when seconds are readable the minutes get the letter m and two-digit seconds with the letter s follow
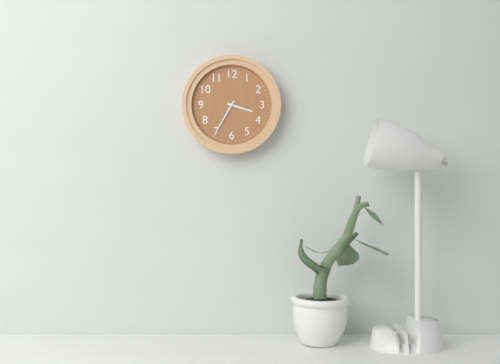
3h35
